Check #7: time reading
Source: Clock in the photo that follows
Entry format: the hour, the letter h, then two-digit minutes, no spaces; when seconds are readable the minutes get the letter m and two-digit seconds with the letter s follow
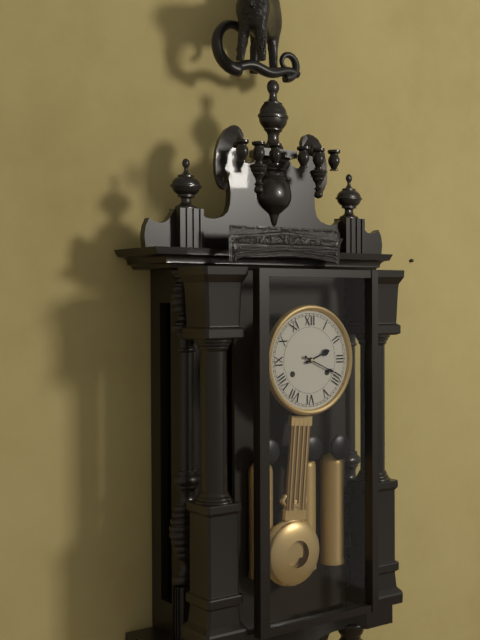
2h19
